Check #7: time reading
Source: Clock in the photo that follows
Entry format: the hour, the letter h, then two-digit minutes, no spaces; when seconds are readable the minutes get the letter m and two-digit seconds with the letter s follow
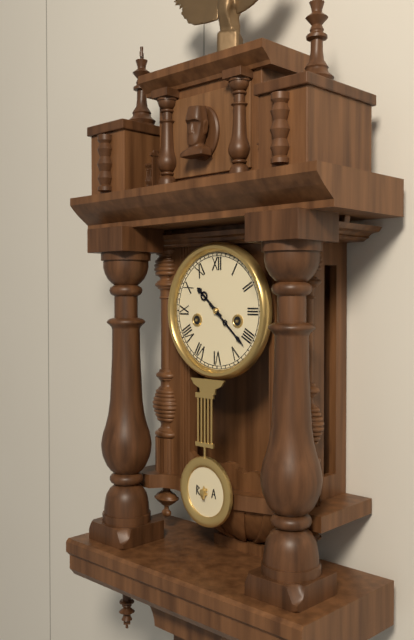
10h22
